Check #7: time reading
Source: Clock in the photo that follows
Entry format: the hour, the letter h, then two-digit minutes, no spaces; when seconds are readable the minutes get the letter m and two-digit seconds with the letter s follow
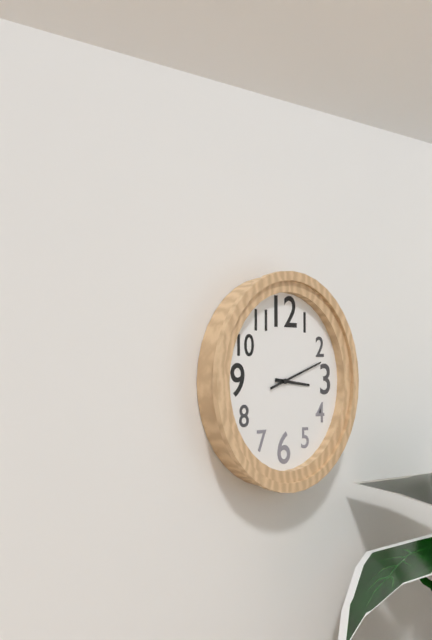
3h12
